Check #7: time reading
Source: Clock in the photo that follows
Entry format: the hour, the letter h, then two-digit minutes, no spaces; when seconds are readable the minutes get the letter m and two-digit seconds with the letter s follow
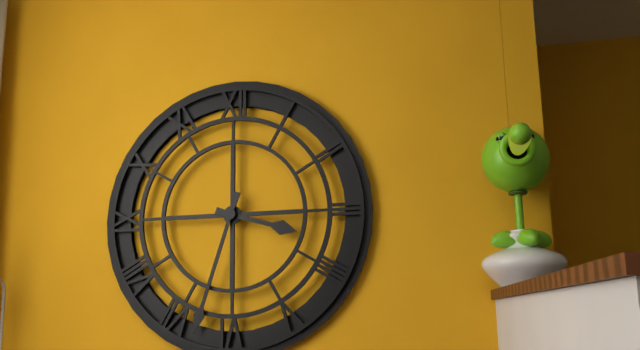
3h33
